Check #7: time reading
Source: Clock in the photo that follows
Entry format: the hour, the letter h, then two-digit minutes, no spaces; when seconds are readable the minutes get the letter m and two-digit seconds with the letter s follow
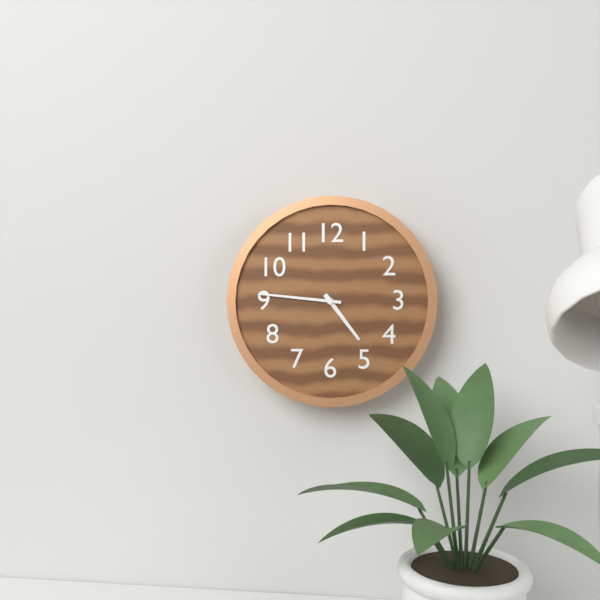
4h46
